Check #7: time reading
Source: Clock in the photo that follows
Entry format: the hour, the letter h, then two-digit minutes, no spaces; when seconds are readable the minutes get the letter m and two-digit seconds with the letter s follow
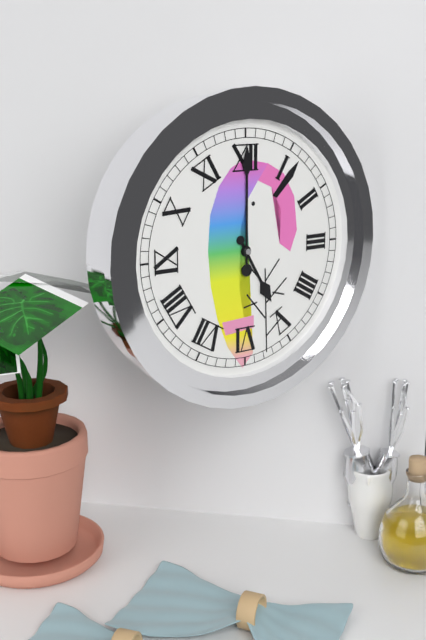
5h00
